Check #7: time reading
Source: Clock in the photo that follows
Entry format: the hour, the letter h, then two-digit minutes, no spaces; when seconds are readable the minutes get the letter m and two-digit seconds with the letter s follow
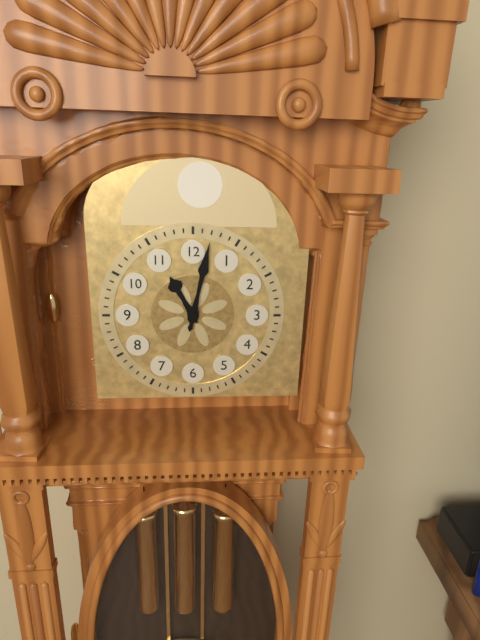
11h02
